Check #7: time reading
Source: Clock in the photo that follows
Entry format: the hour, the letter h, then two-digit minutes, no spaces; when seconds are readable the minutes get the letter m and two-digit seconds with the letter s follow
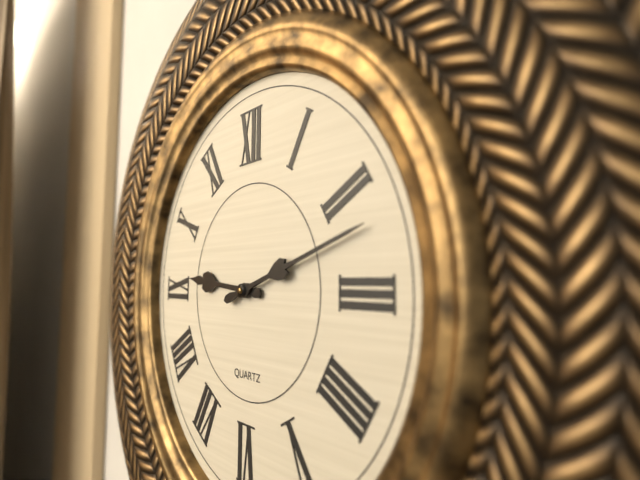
9h12
